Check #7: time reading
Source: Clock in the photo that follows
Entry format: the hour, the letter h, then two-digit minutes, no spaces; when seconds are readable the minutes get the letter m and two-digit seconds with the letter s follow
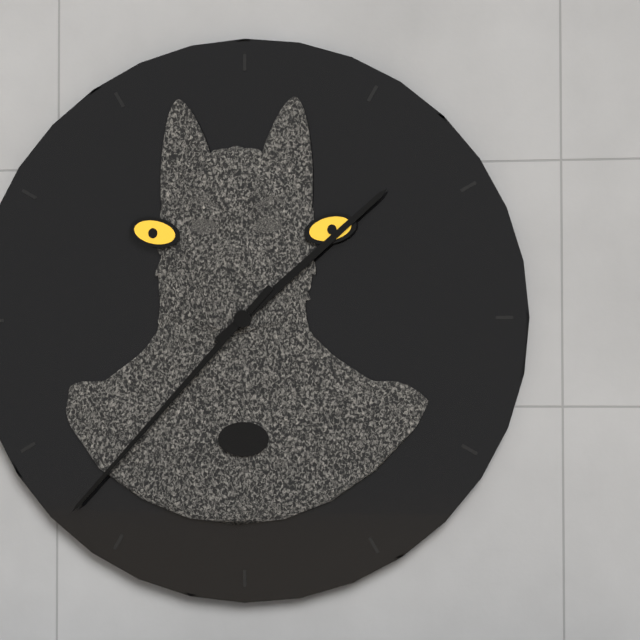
1h37
